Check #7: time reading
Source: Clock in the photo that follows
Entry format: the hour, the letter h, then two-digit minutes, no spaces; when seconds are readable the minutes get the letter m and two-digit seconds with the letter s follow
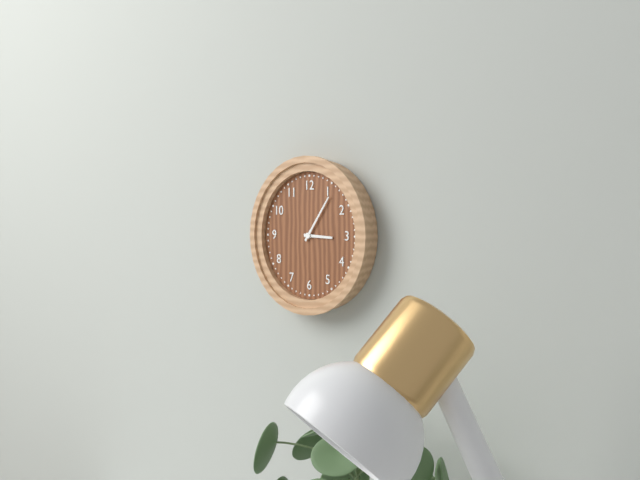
3h06
